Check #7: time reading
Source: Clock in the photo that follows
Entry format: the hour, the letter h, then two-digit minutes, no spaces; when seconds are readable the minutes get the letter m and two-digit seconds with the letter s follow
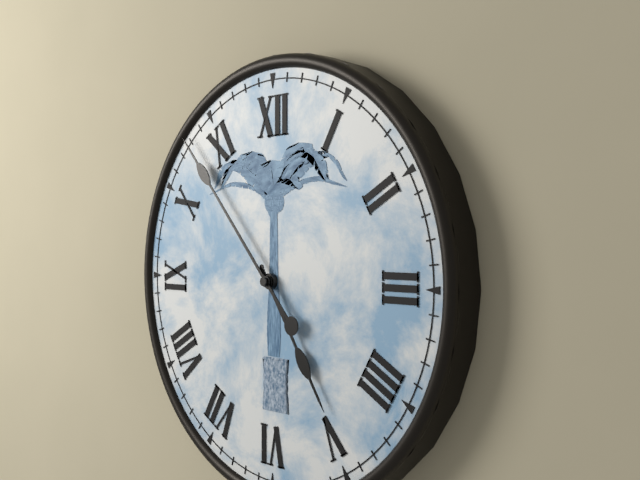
4h53
